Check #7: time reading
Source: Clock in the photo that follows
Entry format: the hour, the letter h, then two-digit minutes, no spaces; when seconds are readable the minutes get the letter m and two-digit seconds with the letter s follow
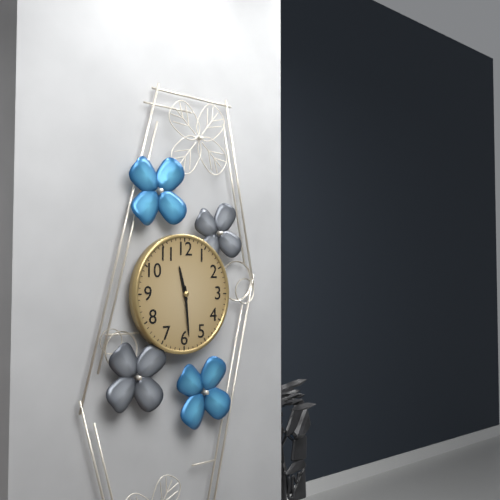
11h29
